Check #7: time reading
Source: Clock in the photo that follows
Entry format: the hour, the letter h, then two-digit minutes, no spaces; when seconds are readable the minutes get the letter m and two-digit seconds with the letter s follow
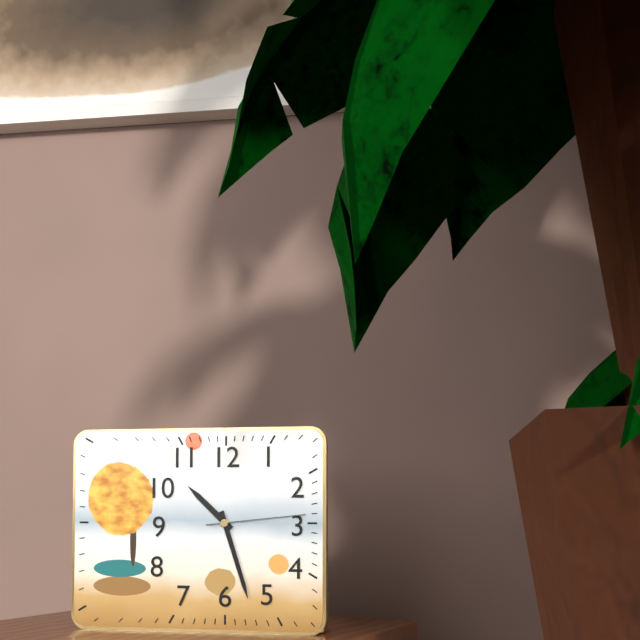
10h27m14s
